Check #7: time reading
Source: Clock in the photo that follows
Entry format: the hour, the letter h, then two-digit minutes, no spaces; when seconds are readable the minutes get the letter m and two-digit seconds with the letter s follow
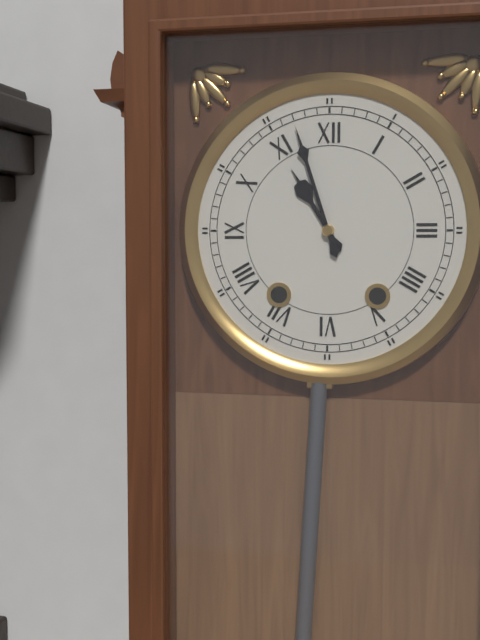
10h57
